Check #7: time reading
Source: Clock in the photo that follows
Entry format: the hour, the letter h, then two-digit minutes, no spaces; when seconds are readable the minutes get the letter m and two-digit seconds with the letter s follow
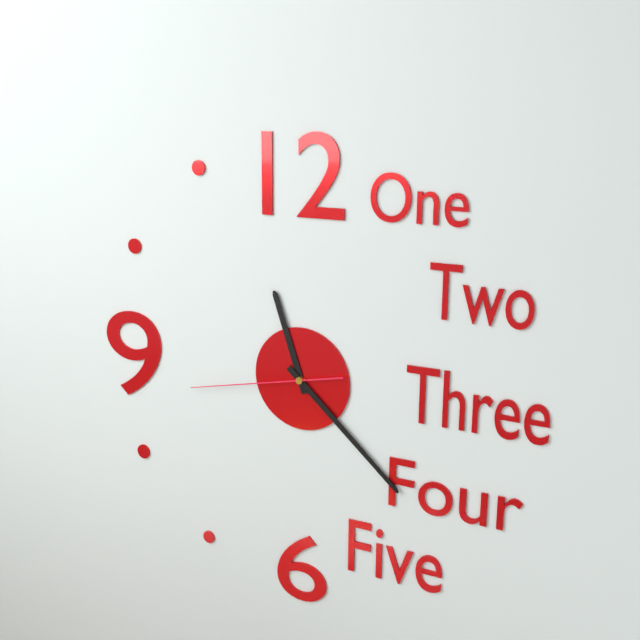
11h22m43s
